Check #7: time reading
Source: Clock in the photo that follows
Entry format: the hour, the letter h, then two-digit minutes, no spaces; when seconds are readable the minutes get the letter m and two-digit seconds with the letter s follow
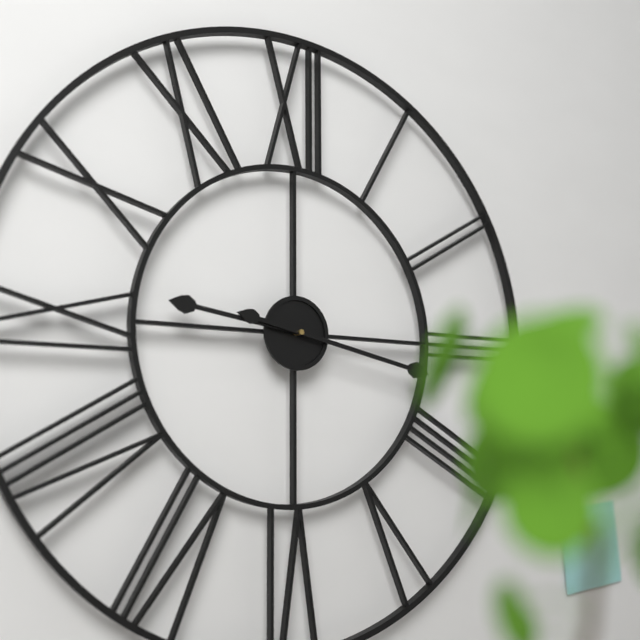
9h17
